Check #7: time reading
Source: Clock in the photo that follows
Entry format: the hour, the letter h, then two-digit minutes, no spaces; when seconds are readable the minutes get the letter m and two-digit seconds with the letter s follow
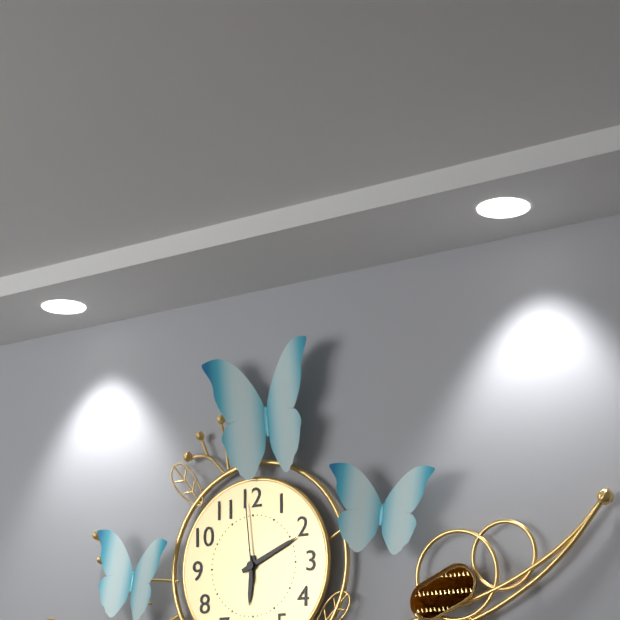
6h11m59s
